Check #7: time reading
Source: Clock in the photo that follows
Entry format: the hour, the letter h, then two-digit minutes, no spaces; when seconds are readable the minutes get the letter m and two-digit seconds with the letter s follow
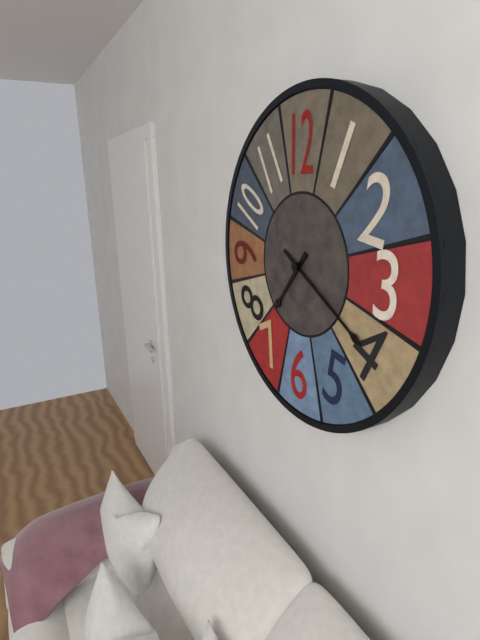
7h20
